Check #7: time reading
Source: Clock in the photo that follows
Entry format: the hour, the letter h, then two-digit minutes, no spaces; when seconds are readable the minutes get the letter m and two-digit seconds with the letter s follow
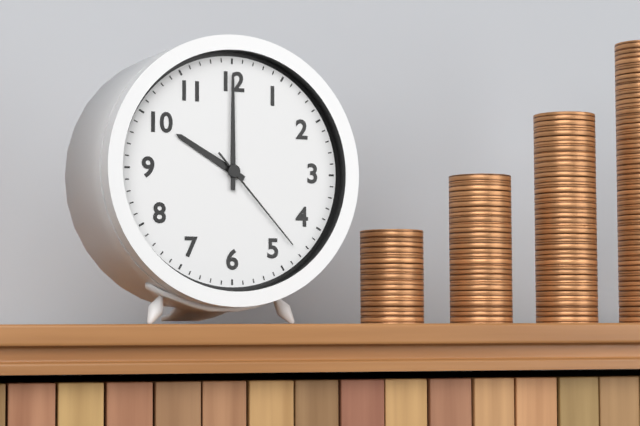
10h00m23s
